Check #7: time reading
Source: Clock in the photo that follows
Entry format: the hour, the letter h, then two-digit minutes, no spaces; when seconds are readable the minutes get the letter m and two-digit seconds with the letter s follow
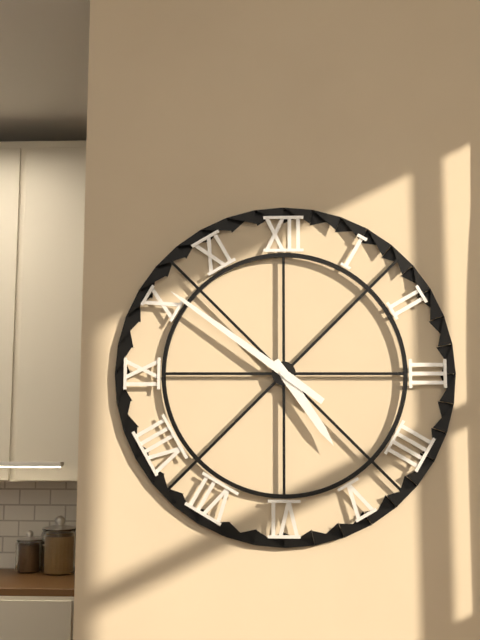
4h51
